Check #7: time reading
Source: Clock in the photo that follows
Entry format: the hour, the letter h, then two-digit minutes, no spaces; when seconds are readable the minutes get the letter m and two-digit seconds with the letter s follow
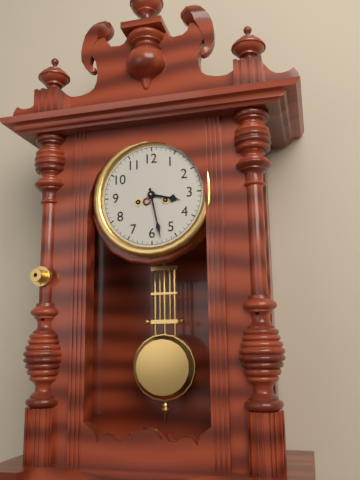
3h28
